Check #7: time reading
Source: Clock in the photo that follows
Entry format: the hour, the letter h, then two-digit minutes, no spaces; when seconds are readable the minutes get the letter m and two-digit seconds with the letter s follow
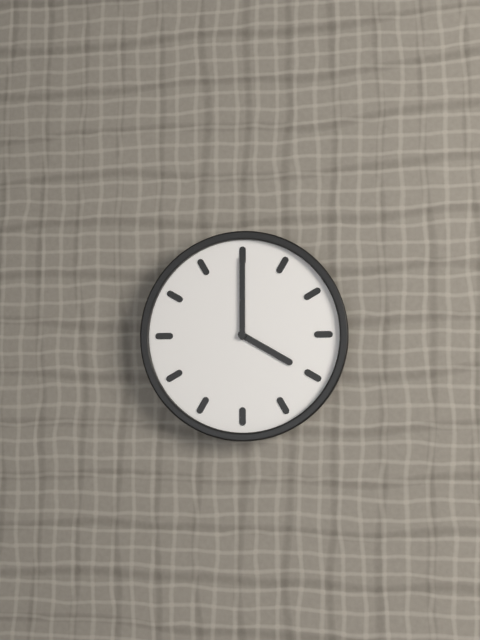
4h00
